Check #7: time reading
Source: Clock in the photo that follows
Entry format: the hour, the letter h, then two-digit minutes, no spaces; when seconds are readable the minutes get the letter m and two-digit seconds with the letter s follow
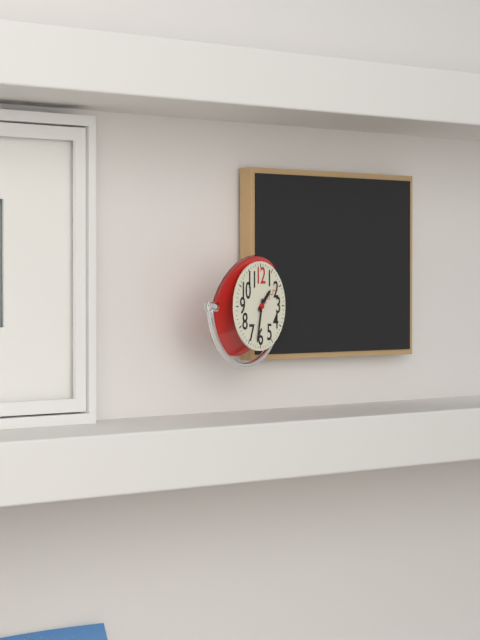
1h32
